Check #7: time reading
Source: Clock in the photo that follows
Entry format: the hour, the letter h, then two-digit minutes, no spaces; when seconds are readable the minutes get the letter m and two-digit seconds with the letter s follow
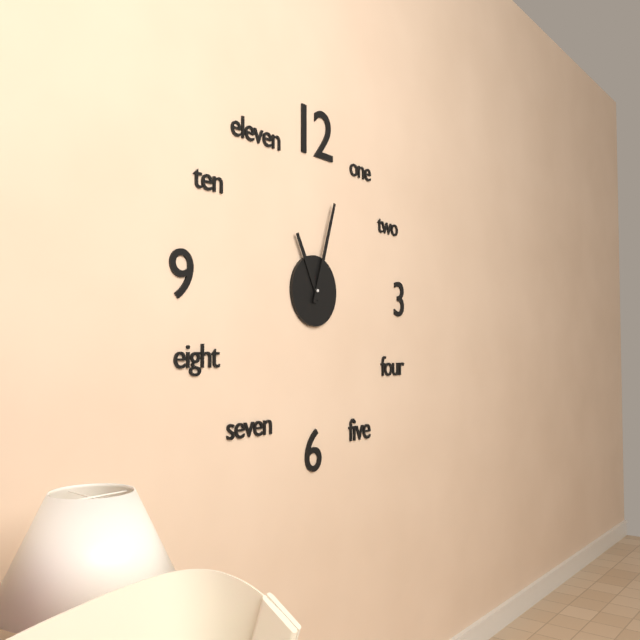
11h03
